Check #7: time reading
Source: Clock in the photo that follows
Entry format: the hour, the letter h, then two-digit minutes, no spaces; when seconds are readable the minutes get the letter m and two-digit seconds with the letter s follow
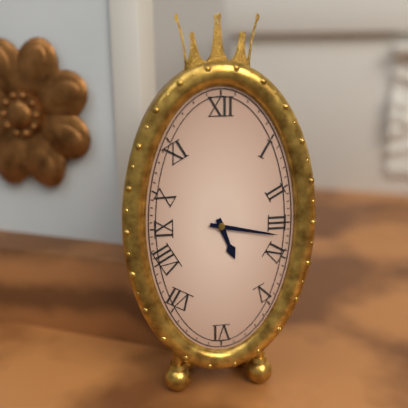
5h17
